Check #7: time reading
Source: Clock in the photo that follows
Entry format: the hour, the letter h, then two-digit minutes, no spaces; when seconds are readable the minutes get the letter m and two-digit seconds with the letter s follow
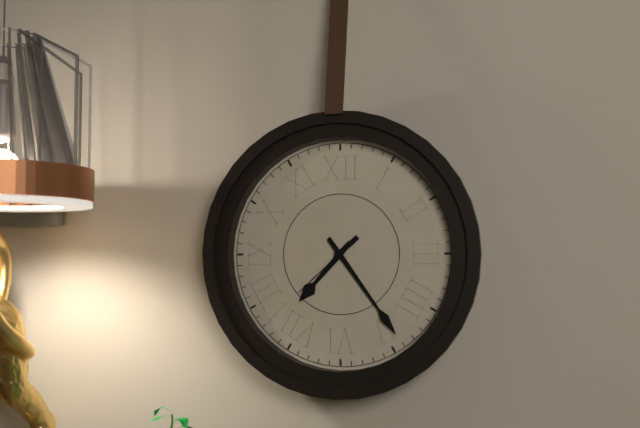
7h24m38s
